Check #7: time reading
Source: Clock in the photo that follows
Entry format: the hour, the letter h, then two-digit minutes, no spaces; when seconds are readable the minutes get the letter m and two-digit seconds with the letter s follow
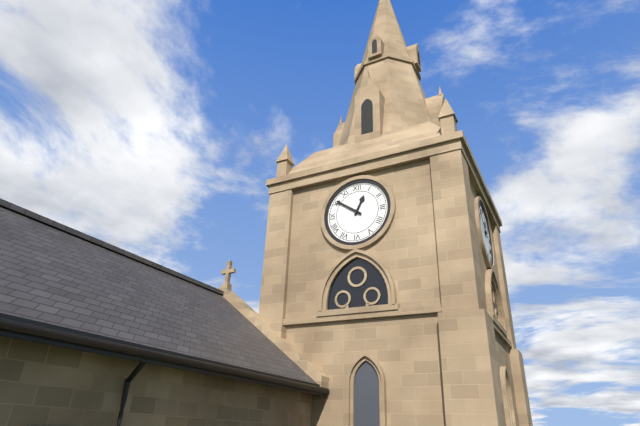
12h51
